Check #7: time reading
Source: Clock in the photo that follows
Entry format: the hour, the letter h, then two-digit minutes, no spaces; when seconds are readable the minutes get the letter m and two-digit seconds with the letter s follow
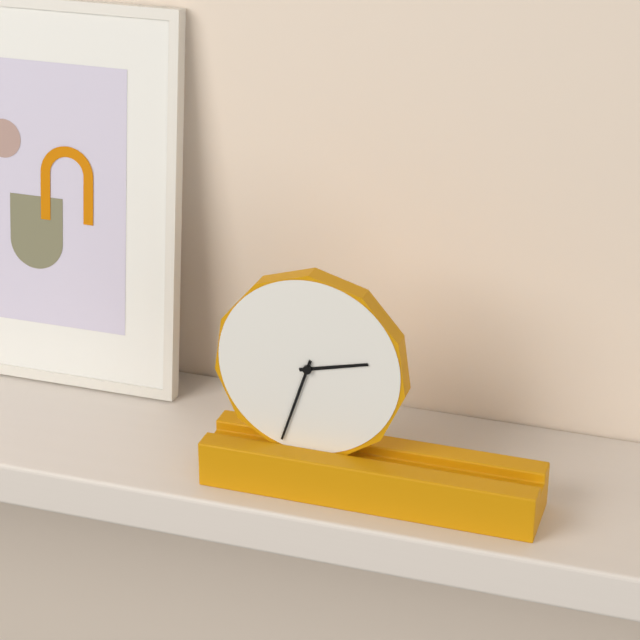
2h33
